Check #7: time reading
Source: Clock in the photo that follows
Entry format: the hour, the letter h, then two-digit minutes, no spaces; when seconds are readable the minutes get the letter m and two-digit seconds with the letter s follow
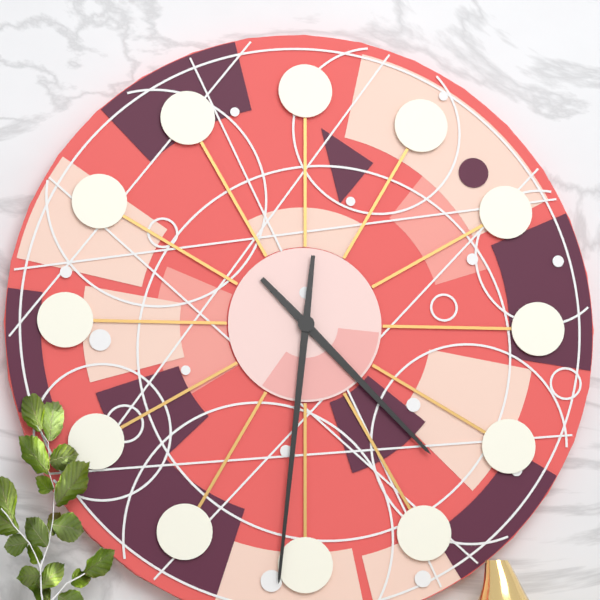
4h31
